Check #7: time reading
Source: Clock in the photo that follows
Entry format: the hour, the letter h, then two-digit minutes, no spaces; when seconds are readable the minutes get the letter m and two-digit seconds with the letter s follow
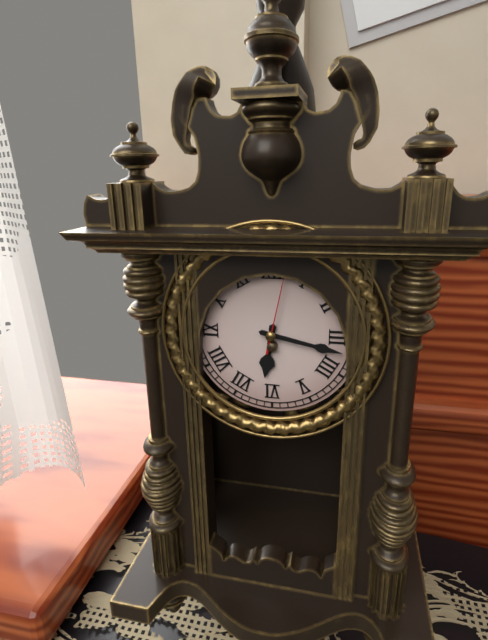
6h17m02s
